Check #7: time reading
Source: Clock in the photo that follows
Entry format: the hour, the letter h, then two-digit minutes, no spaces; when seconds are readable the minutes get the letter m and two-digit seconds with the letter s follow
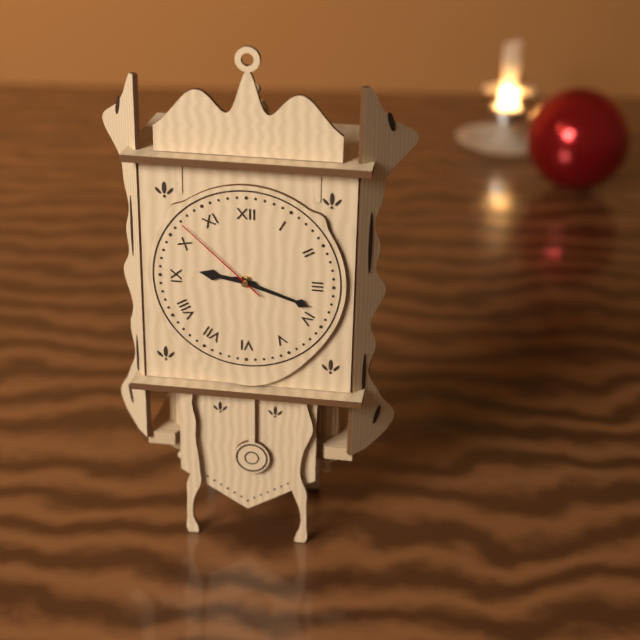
9h18m52s
